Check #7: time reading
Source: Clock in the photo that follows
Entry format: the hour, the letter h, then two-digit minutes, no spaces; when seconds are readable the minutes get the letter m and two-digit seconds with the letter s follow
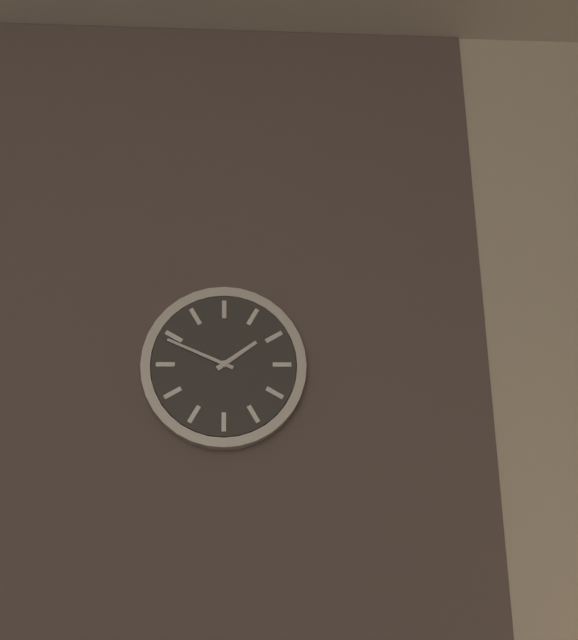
1h49
